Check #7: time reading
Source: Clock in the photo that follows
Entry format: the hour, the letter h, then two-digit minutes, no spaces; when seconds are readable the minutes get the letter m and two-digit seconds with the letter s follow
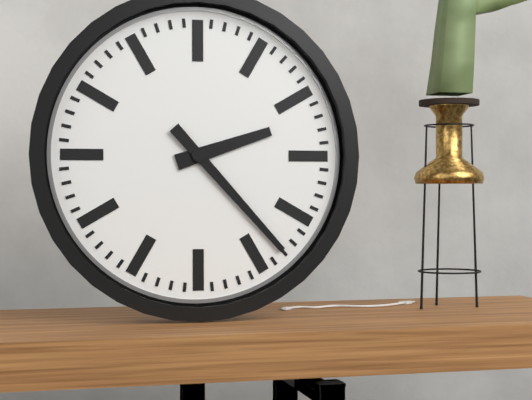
2h23
